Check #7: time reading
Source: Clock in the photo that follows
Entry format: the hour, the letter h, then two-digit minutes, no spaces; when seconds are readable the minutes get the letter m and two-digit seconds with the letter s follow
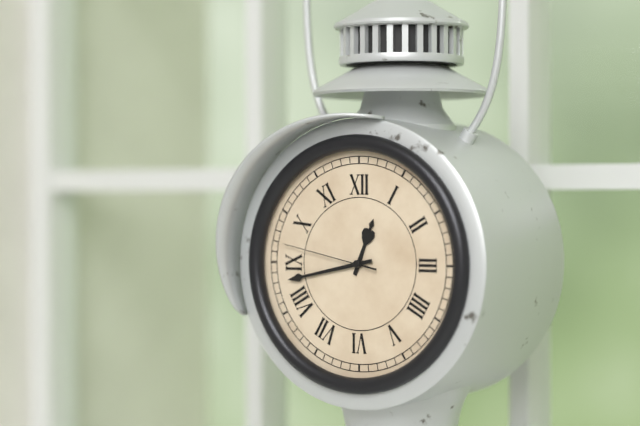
12h43m47s
